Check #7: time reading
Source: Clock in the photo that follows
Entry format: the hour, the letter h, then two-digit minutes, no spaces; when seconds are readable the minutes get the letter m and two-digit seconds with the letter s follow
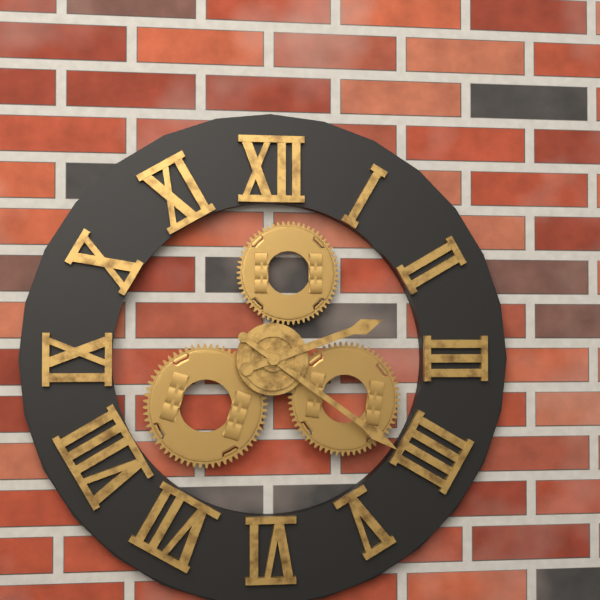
2h21
